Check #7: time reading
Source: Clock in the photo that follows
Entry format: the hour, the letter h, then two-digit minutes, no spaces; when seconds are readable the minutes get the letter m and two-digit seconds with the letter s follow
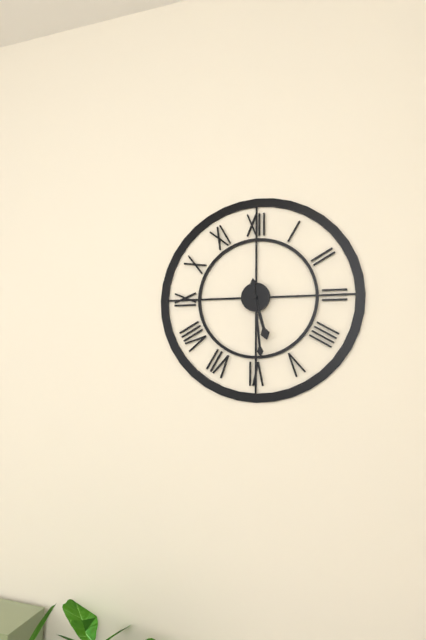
5h29
